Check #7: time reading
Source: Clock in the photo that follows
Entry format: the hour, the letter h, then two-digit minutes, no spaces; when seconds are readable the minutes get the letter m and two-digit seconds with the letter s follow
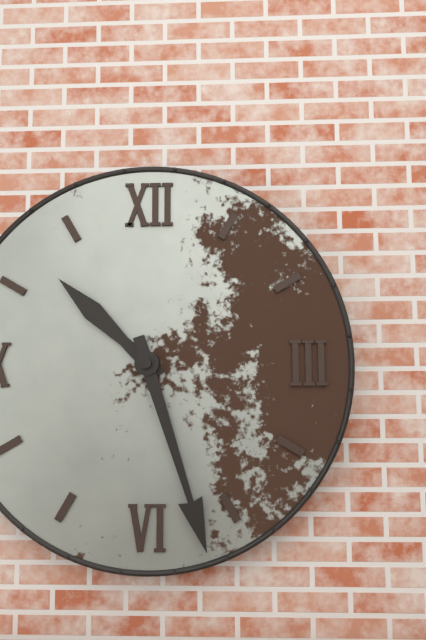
10h27
